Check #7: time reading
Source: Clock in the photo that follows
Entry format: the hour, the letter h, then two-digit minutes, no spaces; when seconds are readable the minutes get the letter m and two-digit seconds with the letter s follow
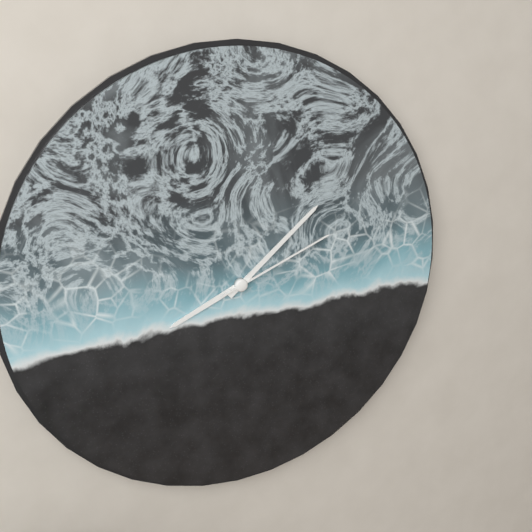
8h08m11s
